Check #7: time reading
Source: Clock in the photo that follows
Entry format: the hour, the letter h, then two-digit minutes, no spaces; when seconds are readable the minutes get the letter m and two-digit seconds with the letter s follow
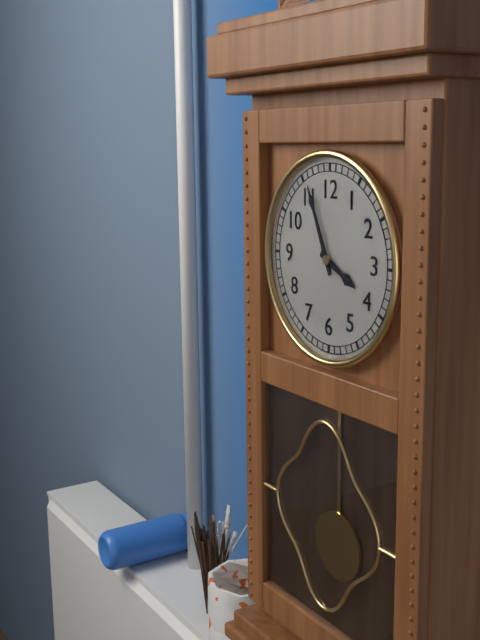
3h56
